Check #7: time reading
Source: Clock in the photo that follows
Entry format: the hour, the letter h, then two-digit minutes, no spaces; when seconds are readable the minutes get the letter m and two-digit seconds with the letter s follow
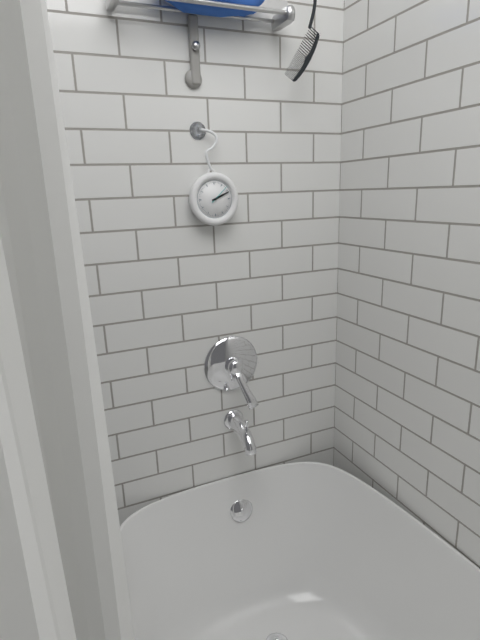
2h11
